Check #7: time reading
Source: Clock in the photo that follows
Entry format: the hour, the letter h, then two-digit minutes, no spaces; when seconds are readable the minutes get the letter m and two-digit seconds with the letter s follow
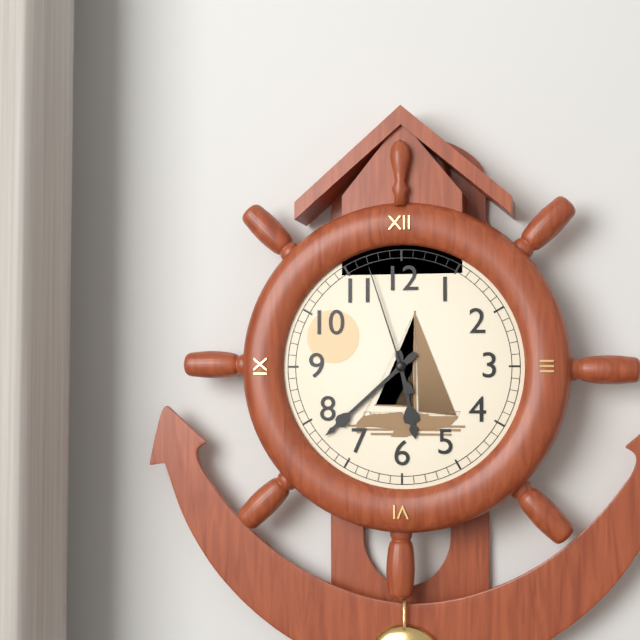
5h38m57s
